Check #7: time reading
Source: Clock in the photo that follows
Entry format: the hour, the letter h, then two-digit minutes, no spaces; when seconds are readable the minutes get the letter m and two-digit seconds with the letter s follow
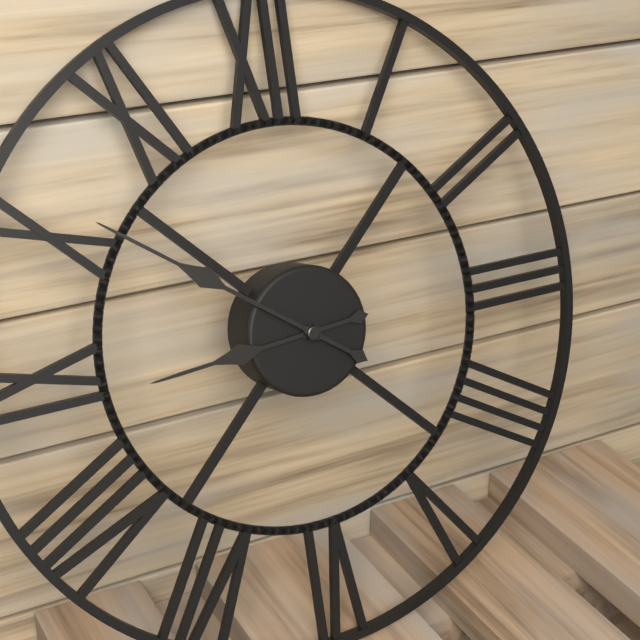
8h51
